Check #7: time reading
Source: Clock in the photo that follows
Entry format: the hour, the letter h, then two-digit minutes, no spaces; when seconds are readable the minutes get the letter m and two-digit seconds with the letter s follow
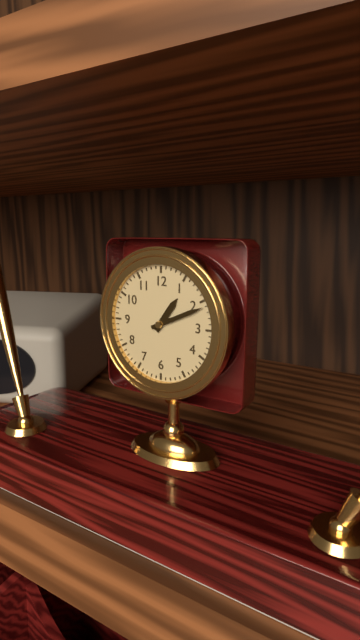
1h11
